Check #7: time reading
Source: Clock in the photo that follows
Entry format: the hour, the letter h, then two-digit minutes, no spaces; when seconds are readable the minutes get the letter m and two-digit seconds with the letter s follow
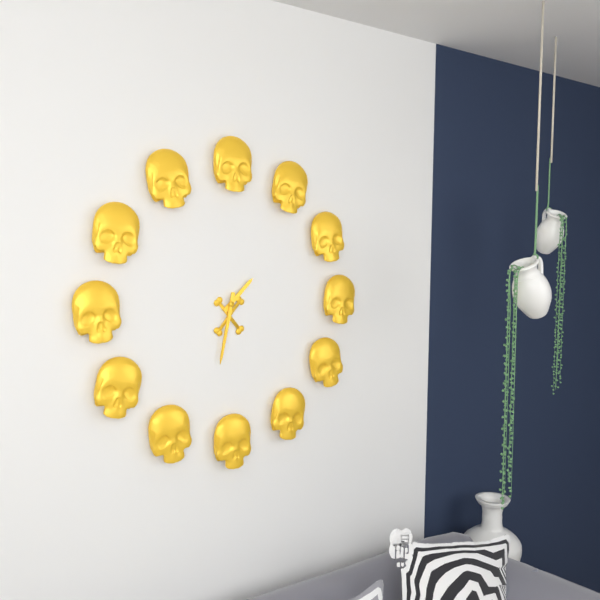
1h32
